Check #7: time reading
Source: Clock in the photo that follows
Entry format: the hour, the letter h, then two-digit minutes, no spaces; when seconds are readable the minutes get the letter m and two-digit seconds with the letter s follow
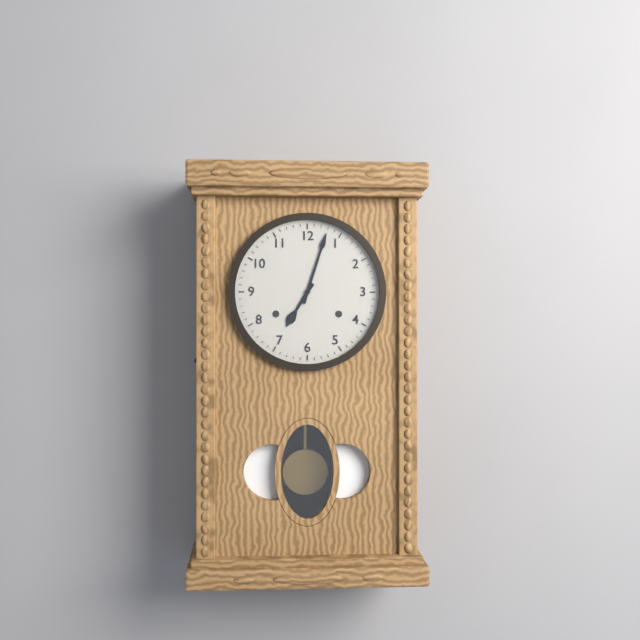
7h03
